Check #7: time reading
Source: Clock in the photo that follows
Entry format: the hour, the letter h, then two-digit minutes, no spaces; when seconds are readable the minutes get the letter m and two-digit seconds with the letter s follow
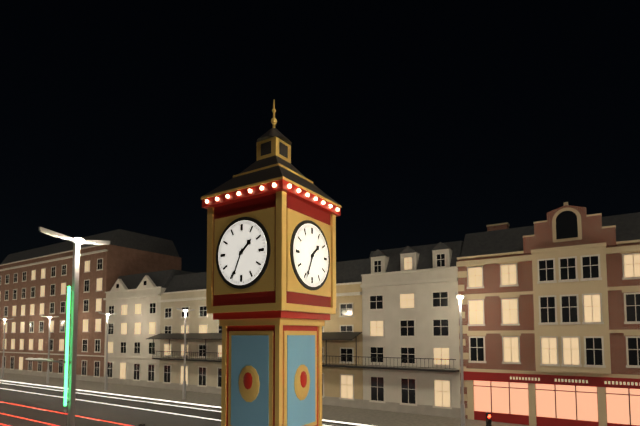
1h34
